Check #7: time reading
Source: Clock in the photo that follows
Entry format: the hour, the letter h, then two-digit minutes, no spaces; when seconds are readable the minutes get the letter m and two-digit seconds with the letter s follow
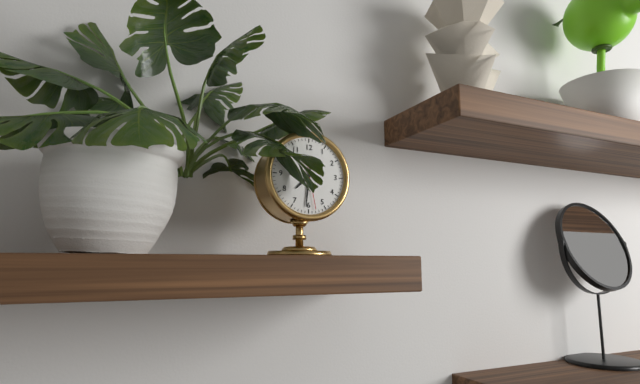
7h31
